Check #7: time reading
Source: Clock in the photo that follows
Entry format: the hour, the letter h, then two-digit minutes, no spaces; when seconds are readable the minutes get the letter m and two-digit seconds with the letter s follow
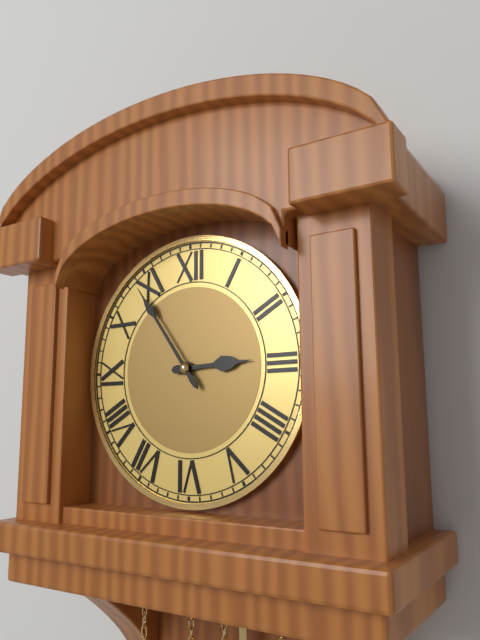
2h54
